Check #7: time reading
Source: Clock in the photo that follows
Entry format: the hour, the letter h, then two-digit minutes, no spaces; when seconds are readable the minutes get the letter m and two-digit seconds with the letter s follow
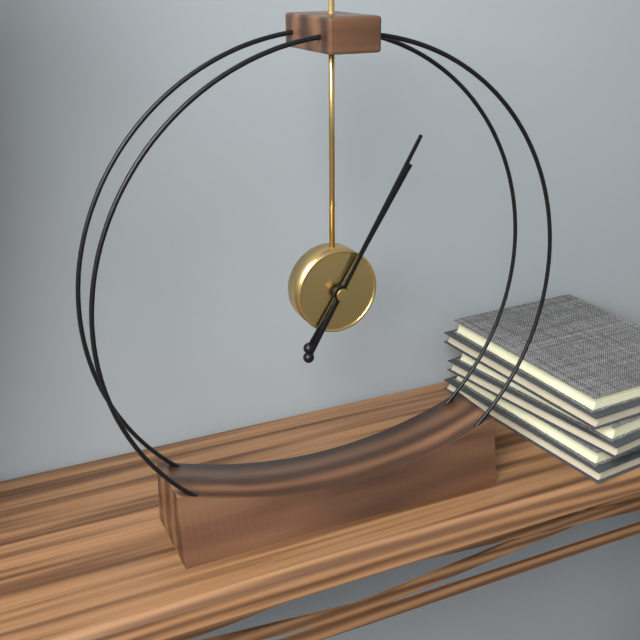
1h05
